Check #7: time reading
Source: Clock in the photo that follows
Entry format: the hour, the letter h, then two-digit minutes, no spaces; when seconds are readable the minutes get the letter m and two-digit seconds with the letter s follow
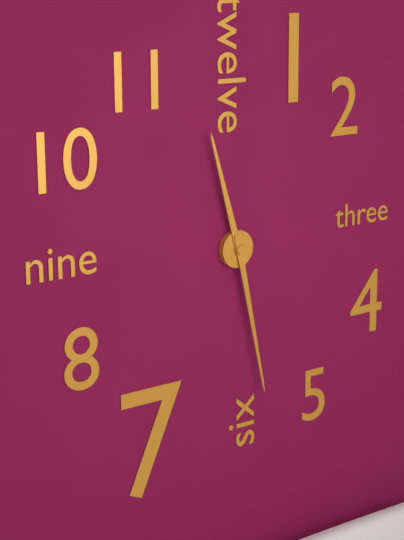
11h28
